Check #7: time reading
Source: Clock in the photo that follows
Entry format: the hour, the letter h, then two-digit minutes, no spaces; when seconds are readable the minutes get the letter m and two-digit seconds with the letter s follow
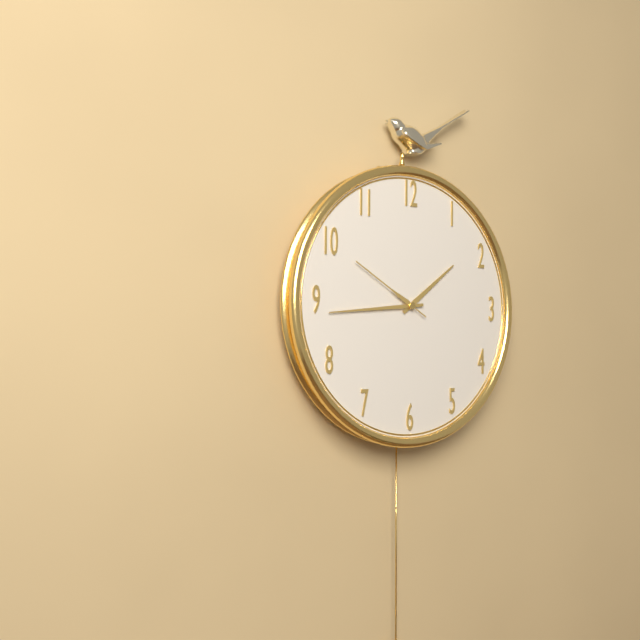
1h44m50s
